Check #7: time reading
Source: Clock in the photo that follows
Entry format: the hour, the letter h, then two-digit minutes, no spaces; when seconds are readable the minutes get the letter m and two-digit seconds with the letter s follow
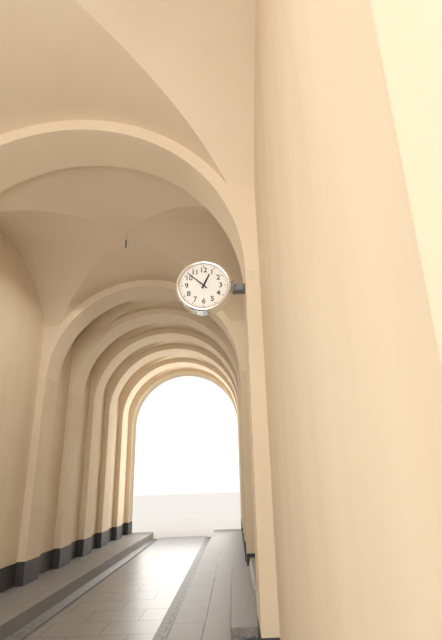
12h52
